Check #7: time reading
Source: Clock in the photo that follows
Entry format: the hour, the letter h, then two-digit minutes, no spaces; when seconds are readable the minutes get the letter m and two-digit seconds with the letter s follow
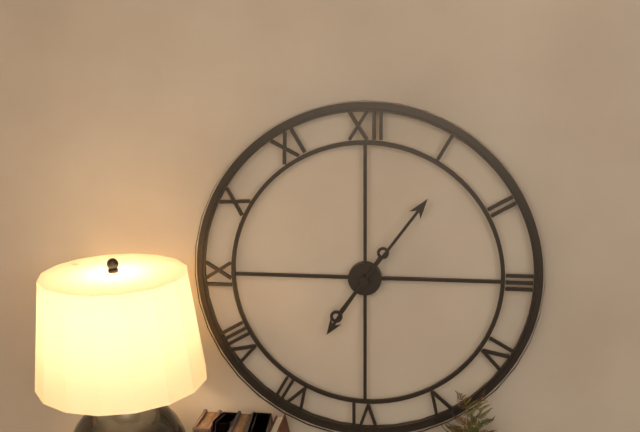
7h06
